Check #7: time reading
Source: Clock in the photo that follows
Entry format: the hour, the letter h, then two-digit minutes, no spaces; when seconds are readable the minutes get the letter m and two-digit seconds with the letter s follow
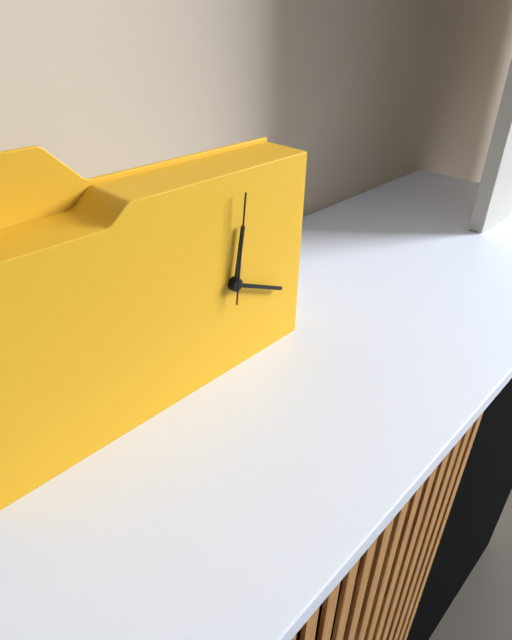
12h19m01s
